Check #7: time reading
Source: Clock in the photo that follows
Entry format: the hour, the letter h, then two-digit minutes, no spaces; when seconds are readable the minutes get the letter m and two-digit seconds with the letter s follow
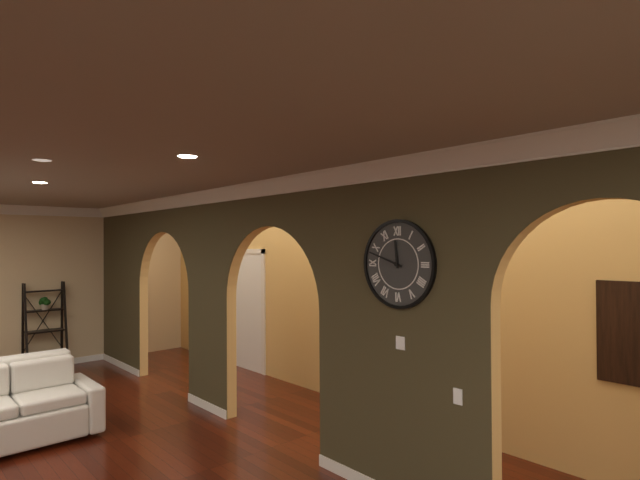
11h48
